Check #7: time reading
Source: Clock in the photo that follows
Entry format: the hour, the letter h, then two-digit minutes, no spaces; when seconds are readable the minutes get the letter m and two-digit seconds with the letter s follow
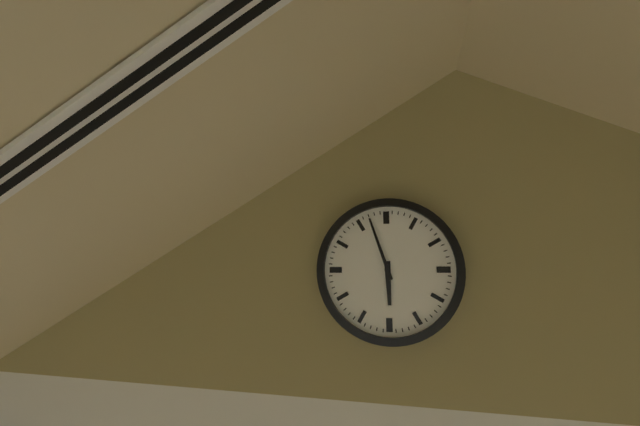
5h57
